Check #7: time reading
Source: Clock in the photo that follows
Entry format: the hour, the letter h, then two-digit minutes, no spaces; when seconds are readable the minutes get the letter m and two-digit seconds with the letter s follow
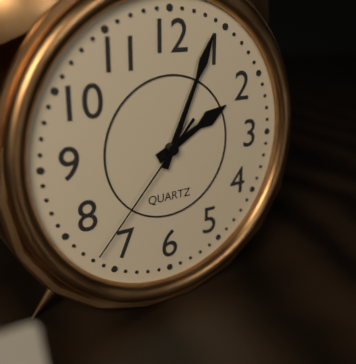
2h04m37s
